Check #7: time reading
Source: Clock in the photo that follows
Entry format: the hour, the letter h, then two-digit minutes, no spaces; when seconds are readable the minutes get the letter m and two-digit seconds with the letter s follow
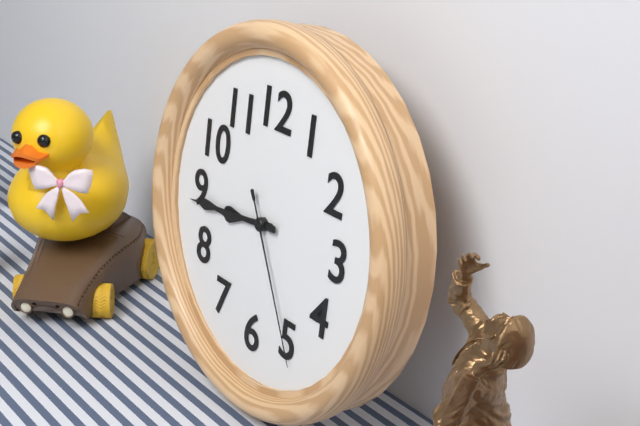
8h44m25s
